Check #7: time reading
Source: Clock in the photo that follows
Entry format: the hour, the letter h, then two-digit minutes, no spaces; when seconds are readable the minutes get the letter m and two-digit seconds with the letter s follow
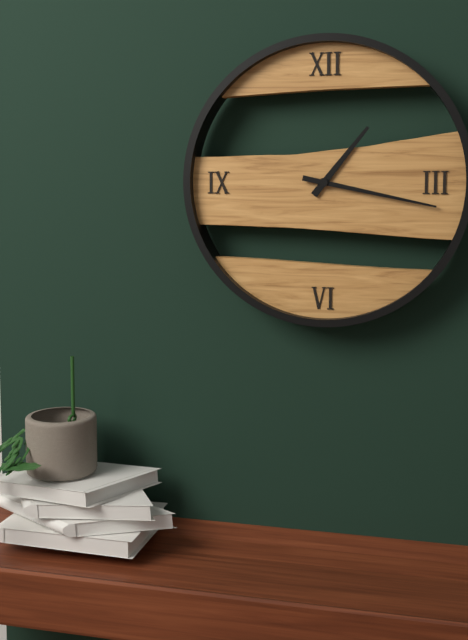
1h17
